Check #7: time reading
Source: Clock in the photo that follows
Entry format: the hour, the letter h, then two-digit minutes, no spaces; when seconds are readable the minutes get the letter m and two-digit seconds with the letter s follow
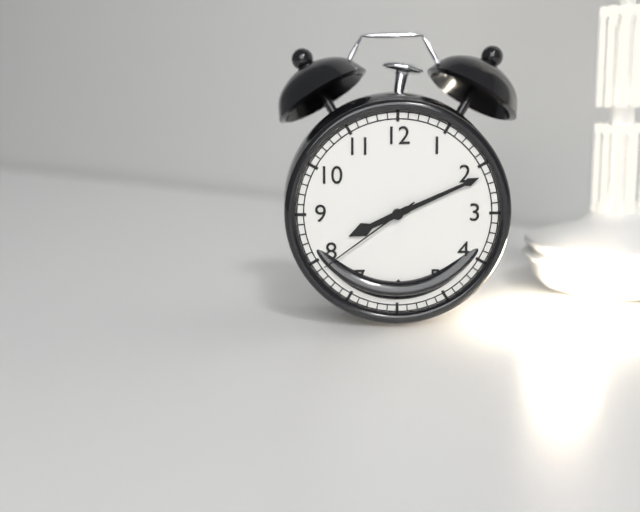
8h11m39s
